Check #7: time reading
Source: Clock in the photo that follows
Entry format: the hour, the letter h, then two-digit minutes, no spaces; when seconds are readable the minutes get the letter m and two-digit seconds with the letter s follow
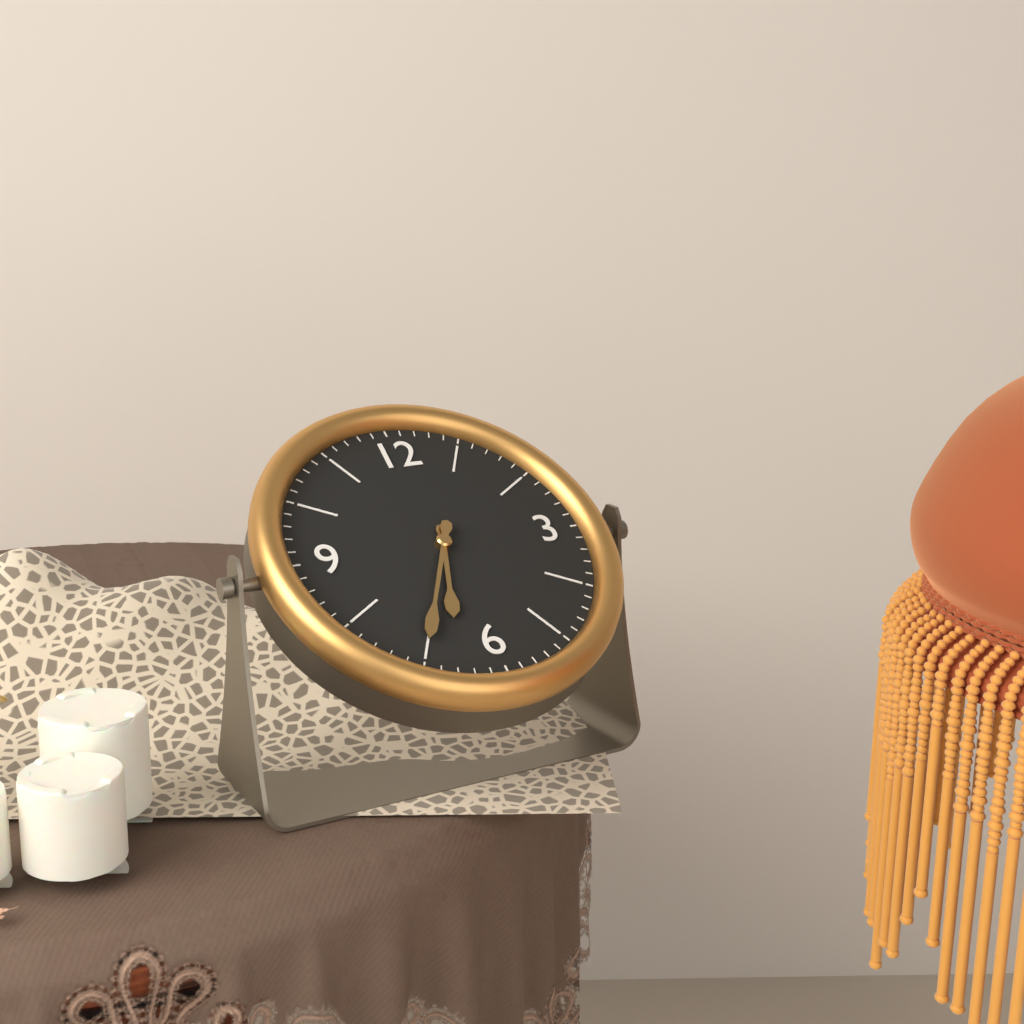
6h35
